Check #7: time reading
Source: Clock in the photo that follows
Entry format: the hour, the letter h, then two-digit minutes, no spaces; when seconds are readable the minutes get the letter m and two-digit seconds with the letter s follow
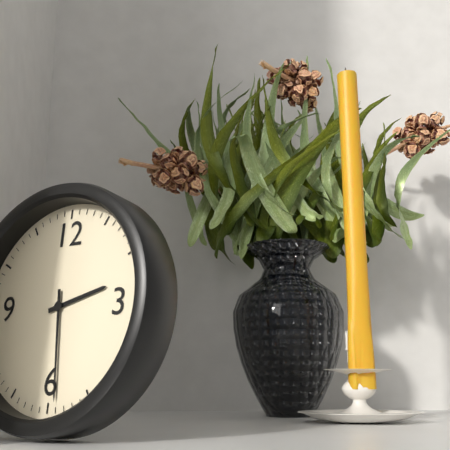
2h29
